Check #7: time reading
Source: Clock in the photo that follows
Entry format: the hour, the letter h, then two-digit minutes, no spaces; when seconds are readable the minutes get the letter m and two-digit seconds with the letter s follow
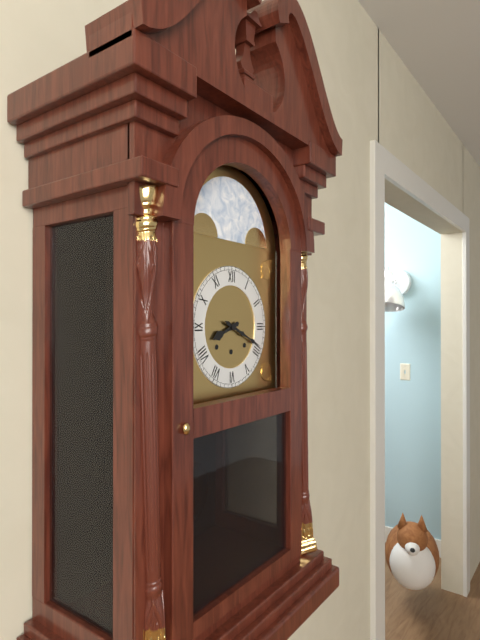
8h19
